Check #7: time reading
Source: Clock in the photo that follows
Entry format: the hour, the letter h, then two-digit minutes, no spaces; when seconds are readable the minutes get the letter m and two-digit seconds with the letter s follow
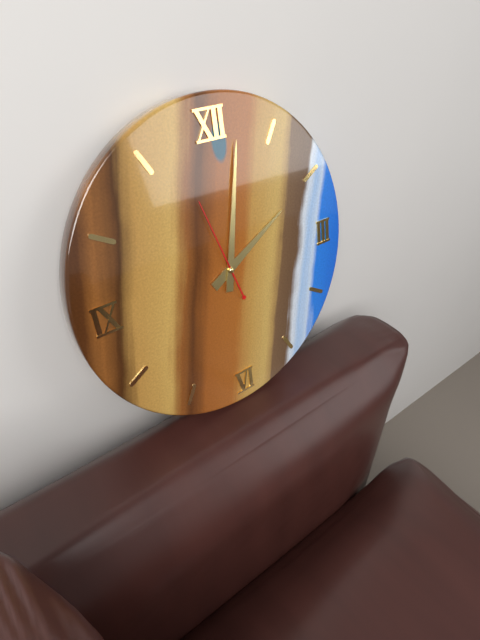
2h02m57s
